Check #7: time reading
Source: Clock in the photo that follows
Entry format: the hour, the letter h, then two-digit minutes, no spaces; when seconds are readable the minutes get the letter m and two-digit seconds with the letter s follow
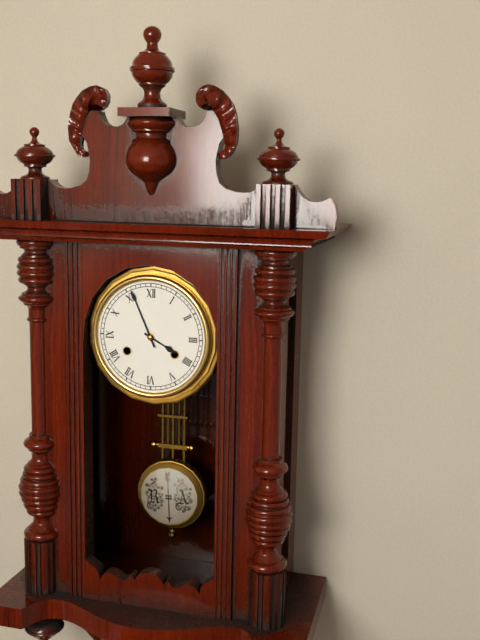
3h56
